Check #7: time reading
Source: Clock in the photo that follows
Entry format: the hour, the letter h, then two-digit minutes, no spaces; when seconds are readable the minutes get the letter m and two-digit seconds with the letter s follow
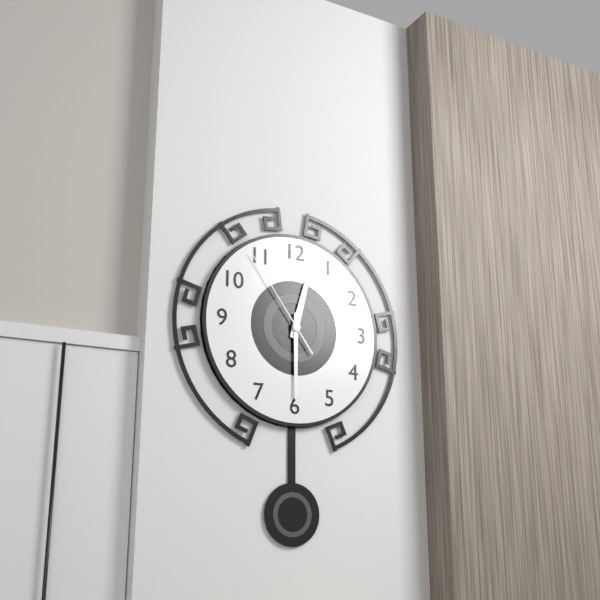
12h30m54s
